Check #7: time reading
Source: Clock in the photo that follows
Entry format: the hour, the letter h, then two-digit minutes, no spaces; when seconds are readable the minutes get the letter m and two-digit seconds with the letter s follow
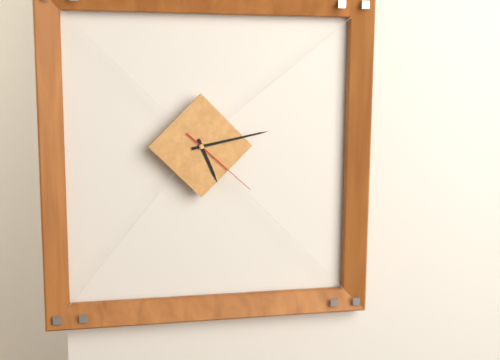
5h13m22s
